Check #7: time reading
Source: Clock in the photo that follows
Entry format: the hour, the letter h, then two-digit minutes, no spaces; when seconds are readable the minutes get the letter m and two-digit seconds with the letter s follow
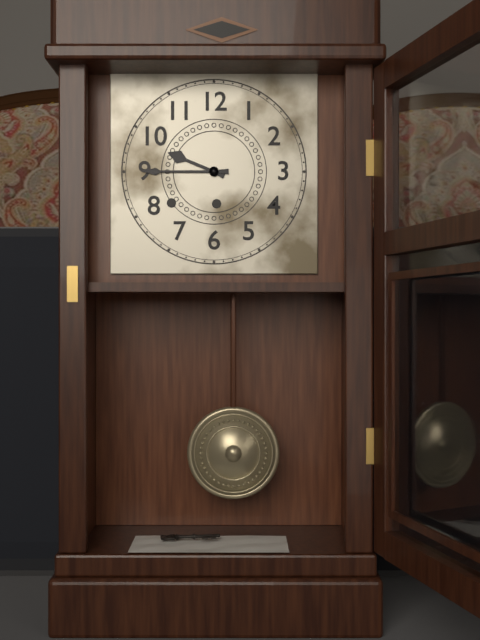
9h45
